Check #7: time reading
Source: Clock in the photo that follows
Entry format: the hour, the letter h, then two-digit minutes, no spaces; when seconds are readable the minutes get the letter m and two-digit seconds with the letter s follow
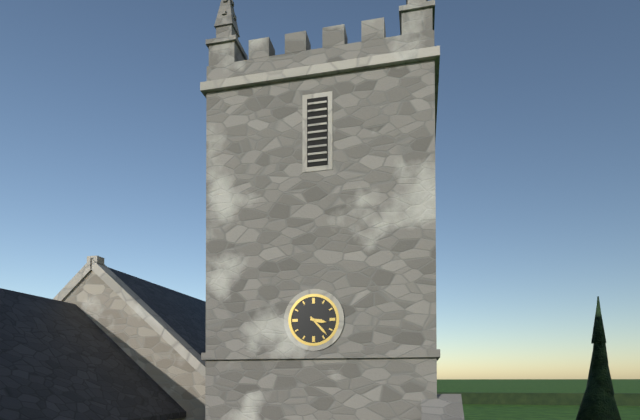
3h23
